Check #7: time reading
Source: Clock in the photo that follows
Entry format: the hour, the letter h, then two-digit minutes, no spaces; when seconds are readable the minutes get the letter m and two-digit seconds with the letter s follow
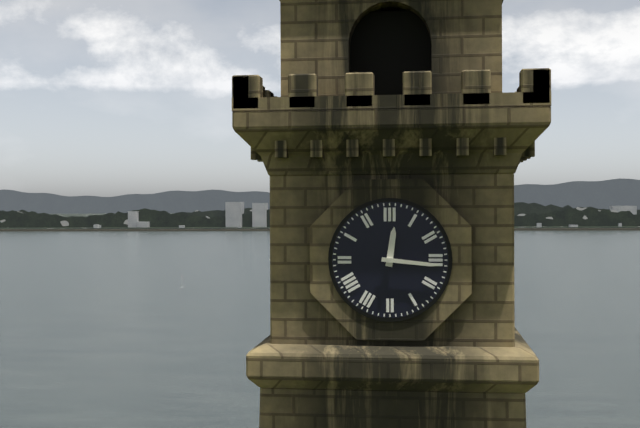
12h16
